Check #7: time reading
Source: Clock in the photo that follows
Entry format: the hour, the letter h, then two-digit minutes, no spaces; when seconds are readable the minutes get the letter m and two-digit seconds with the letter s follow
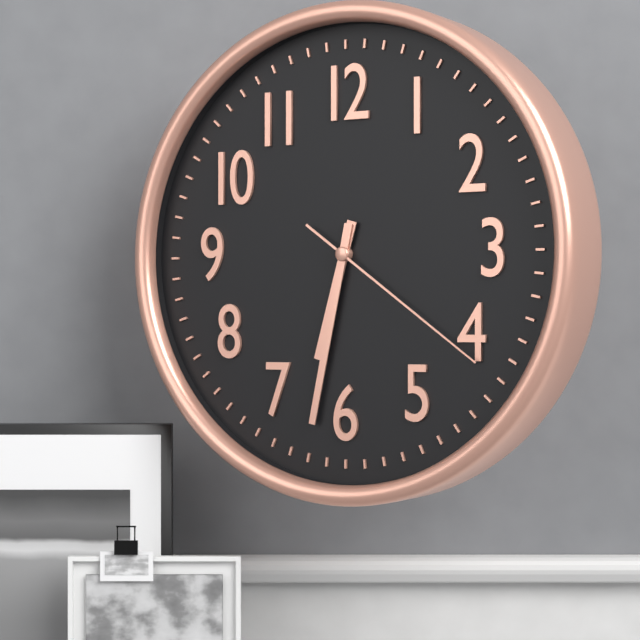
6h32m21s
